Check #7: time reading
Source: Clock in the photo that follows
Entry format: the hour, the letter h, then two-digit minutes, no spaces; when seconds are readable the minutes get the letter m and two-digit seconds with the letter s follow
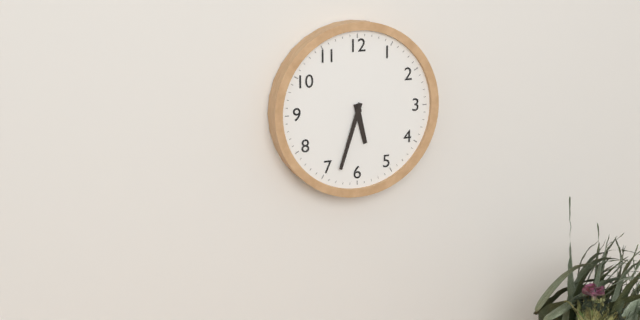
5h33
